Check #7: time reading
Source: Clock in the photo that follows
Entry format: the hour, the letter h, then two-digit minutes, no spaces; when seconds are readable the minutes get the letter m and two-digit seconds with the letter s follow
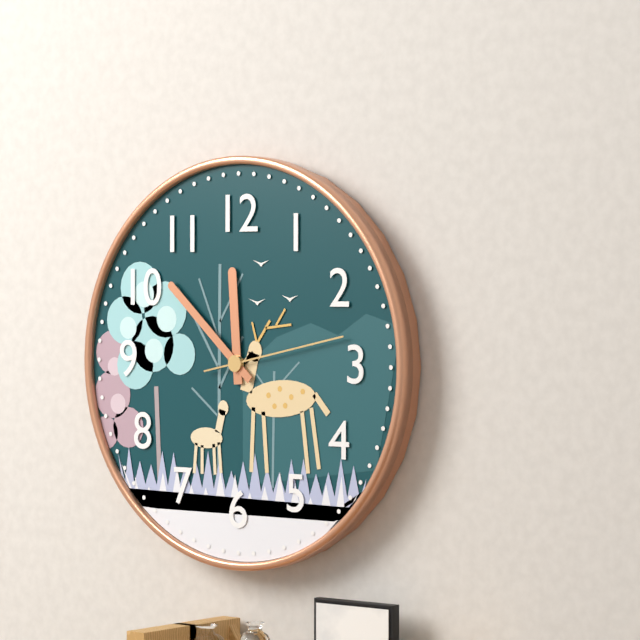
11h52m13s
